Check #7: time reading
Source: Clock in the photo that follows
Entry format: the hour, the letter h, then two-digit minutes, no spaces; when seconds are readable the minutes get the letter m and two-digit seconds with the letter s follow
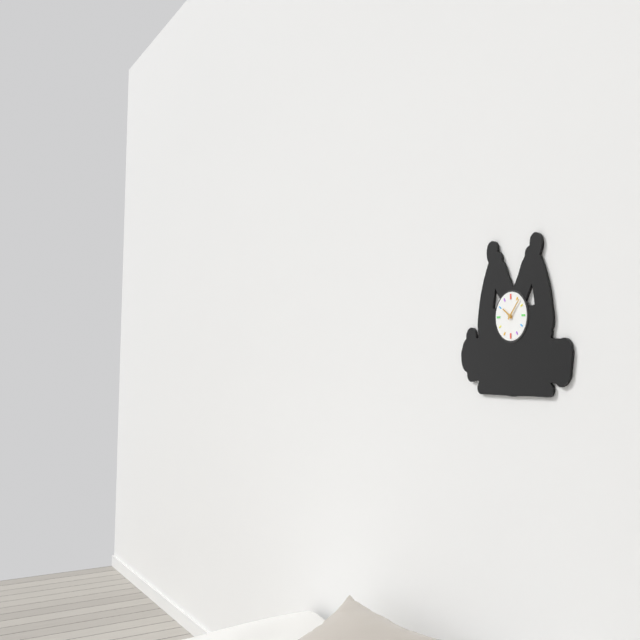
10h07
